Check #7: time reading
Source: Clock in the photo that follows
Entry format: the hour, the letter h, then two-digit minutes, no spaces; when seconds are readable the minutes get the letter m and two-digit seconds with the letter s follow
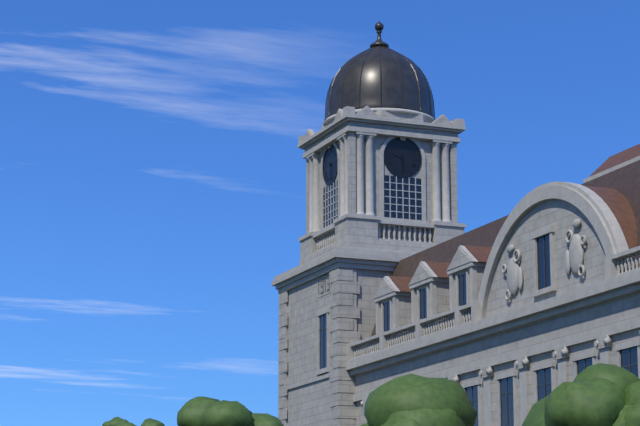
9h29
